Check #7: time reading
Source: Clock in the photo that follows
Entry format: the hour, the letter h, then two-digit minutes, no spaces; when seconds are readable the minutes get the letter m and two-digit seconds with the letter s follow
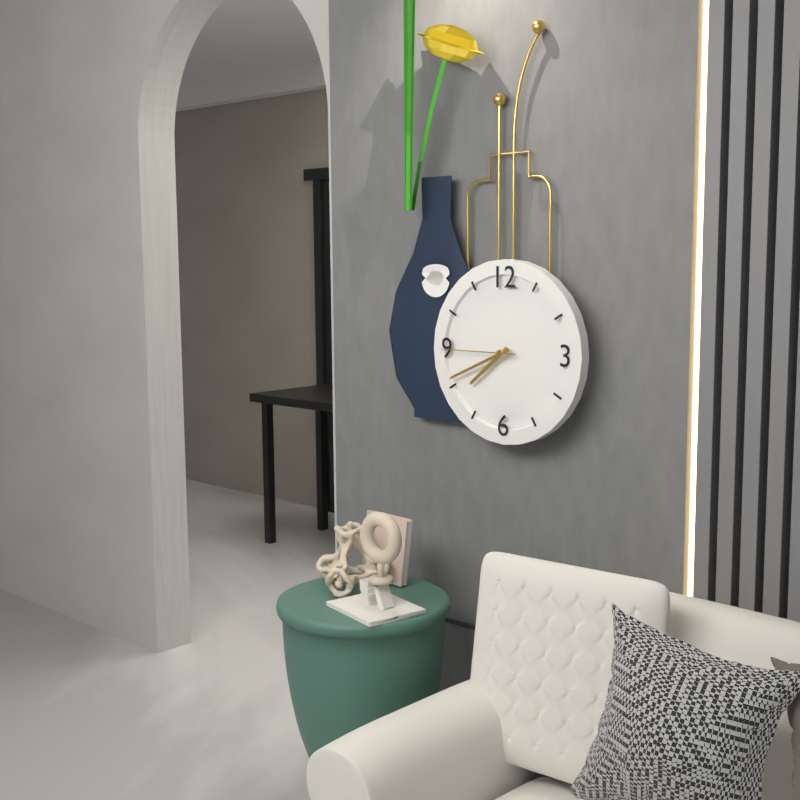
7h41m45s
